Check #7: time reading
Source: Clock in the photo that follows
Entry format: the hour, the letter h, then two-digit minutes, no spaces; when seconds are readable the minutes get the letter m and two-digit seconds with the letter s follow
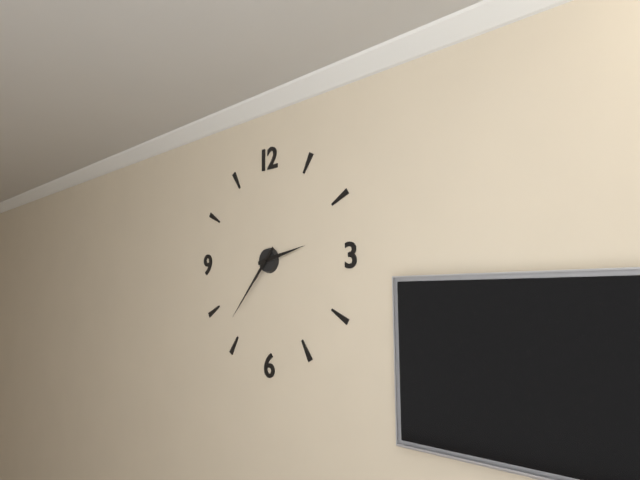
2h37
